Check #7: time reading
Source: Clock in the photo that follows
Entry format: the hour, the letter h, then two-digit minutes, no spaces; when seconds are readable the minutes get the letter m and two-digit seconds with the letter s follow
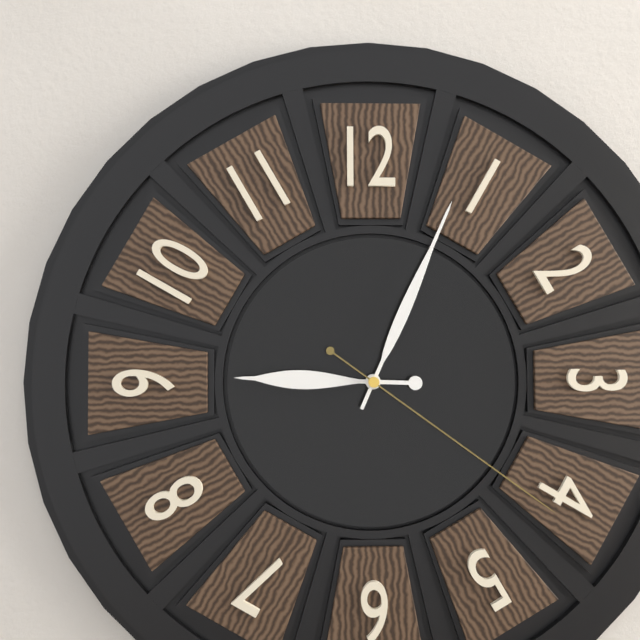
9h04m21s
